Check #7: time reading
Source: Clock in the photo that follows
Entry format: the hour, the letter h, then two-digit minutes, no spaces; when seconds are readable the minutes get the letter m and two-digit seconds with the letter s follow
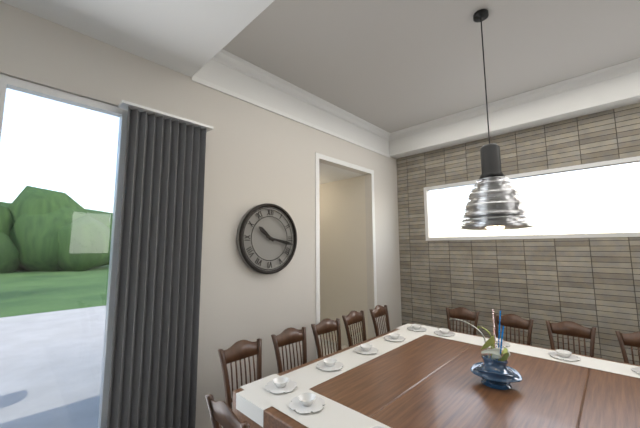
10h17
